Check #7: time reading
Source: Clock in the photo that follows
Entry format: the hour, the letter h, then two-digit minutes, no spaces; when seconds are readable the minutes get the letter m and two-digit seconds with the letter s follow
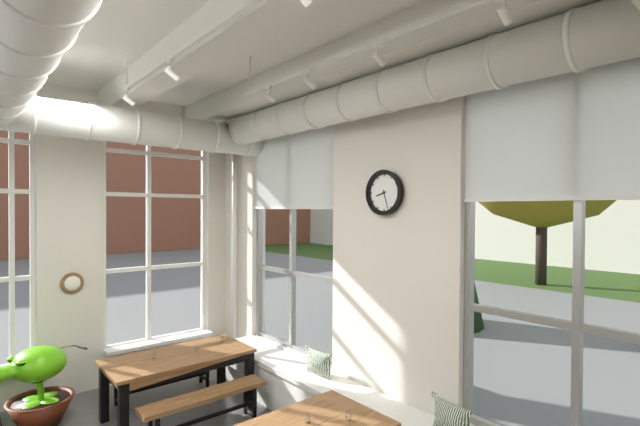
8h27
